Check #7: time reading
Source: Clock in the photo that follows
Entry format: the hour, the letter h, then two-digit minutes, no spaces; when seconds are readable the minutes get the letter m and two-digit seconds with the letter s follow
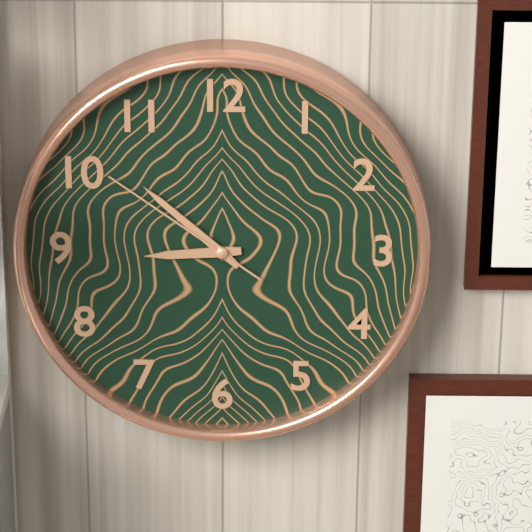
8h52m51s
